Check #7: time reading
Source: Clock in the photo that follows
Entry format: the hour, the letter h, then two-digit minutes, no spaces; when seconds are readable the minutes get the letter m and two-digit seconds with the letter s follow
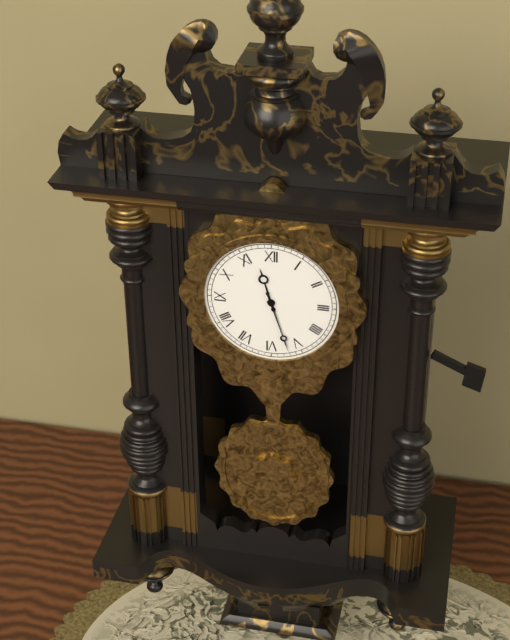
11h27
